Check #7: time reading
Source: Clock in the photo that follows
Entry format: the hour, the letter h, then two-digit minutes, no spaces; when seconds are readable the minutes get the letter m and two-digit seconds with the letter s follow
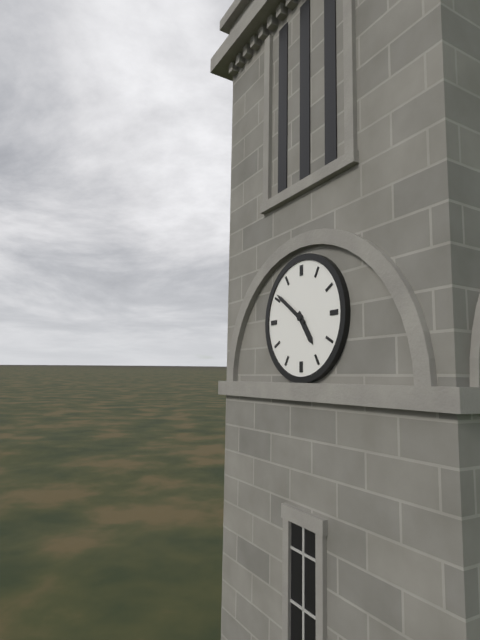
4h51
